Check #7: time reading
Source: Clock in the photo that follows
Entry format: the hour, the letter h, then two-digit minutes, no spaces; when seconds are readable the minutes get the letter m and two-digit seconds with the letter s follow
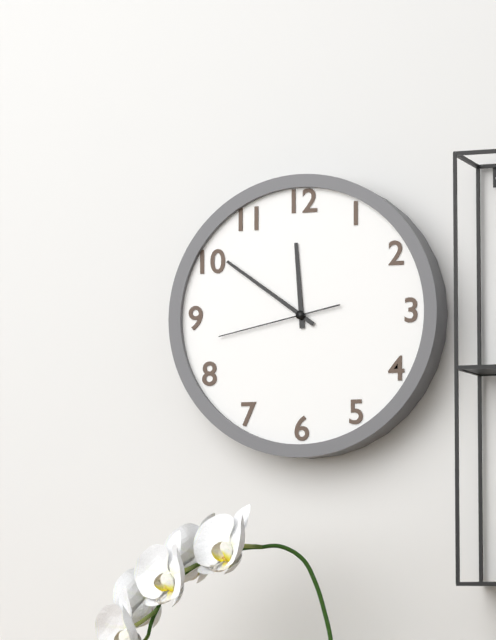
11h51m43s
